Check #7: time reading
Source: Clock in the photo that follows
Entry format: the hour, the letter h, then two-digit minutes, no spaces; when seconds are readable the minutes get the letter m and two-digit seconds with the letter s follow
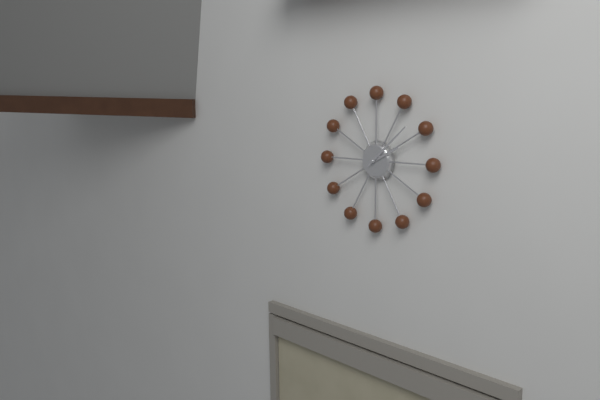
2h08
